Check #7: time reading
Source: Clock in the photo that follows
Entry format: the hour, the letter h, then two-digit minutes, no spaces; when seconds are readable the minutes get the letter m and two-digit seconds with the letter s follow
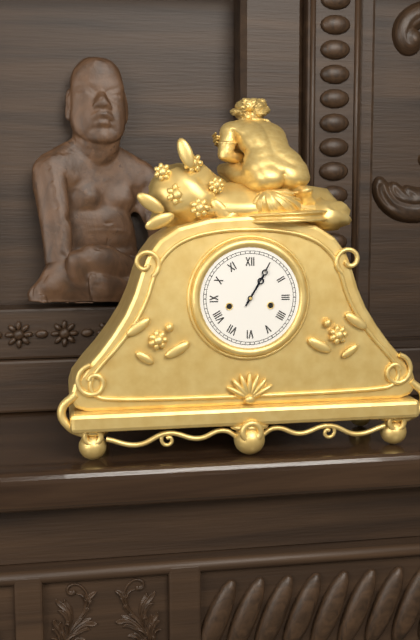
1h05
